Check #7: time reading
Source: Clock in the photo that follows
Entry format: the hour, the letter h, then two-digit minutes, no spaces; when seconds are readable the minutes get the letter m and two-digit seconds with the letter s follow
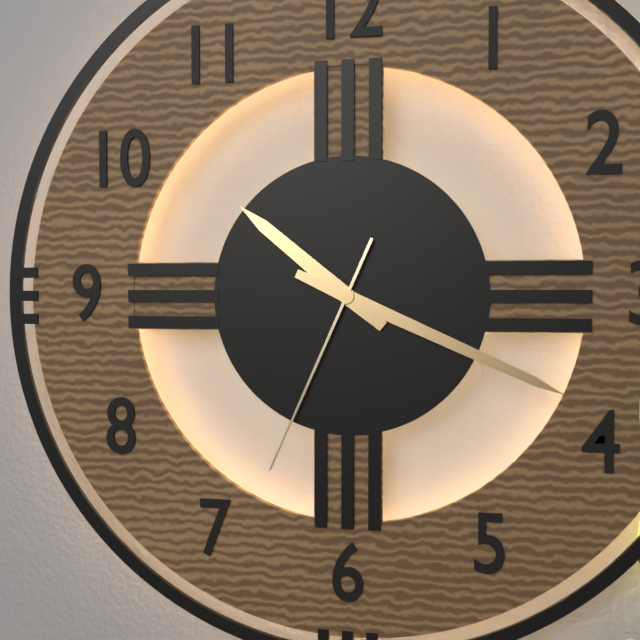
10h19m34s
